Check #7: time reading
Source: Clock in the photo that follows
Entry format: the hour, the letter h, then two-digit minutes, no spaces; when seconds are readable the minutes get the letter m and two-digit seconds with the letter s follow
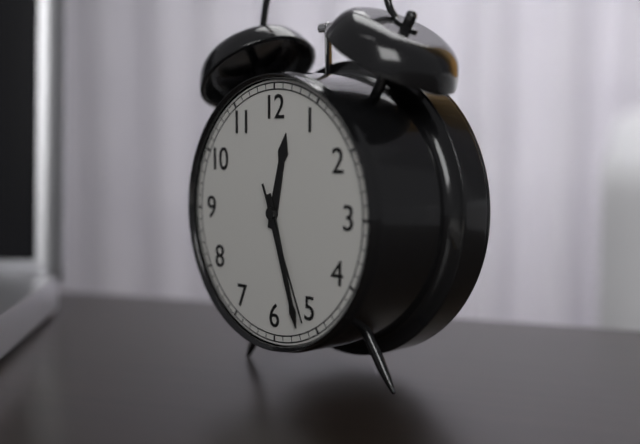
12h27m26s
